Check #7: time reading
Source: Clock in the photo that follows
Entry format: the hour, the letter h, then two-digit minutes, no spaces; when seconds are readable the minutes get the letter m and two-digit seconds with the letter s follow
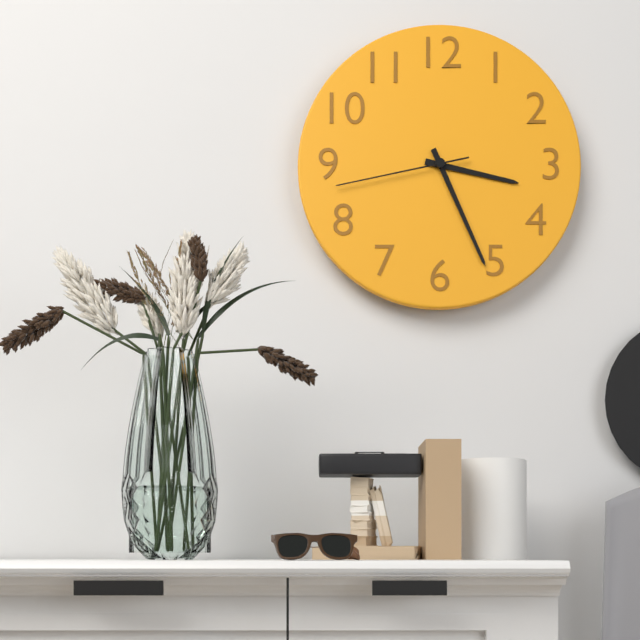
3h26m43s
